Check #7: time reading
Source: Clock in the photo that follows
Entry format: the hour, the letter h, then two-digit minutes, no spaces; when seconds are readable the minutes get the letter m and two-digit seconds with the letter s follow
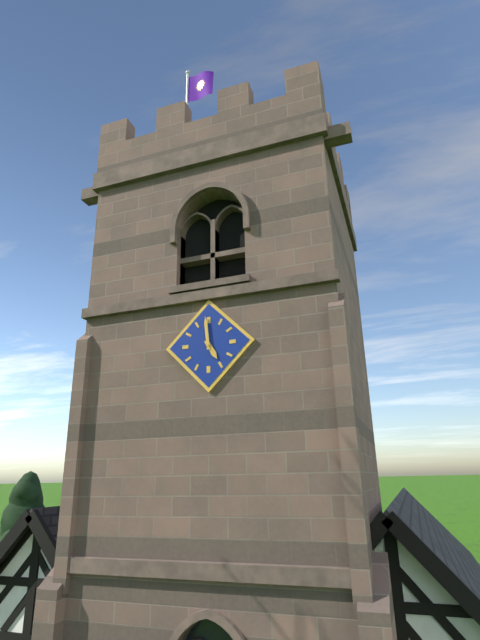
4h59
